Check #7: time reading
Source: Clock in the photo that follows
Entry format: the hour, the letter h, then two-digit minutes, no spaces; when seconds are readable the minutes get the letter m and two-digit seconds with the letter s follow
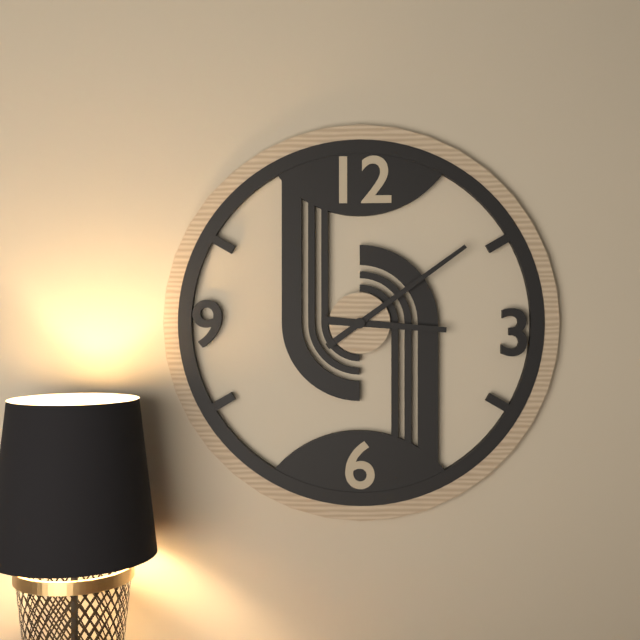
3h09
